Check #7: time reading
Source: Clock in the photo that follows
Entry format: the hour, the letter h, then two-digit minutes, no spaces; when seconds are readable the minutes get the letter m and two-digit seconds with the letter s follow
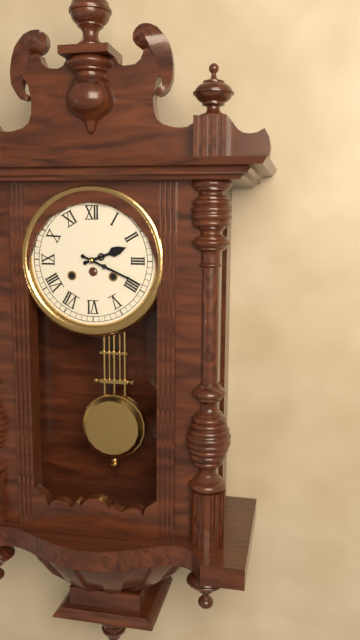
2h19
